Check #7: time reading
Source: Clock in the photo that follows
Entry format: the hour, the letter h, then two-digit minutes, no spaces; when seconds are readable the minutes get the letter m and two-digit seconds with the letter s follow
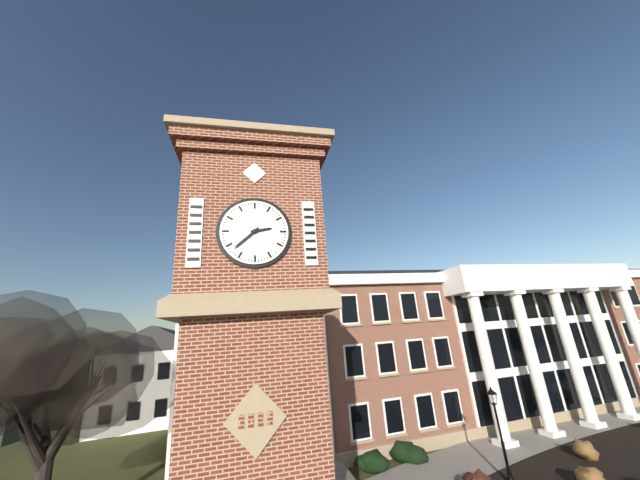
2h38
